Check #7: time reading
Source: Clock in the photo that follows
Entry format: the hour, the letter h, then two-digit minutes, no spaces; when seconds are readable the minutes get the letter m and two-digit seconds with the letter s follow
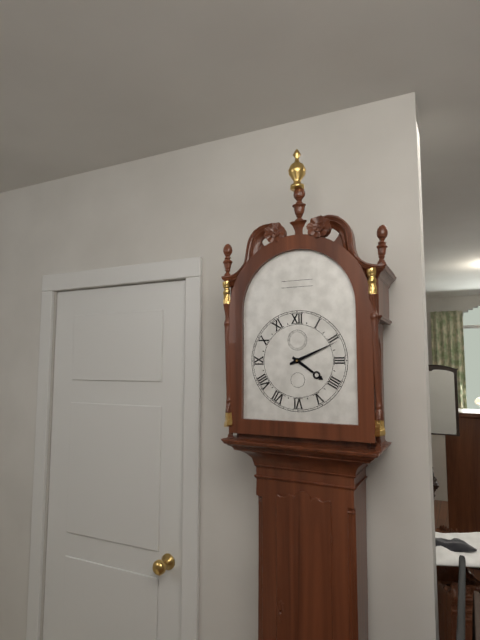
4h11
